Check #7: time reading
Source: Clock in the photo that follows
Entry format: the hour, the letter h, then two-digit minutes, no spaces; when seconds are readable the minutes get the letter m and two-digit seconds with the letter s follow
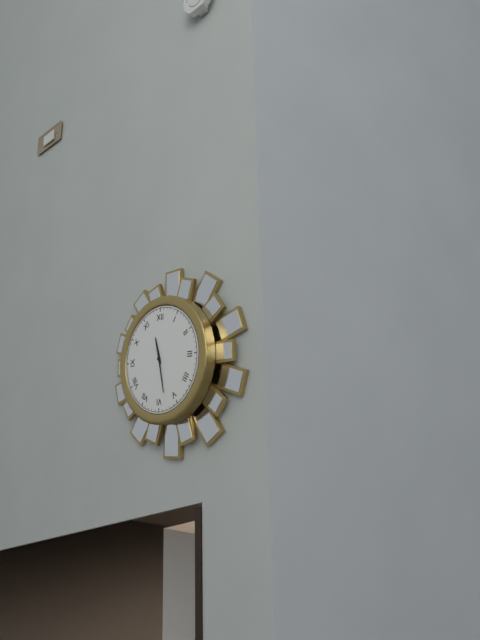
11h28
